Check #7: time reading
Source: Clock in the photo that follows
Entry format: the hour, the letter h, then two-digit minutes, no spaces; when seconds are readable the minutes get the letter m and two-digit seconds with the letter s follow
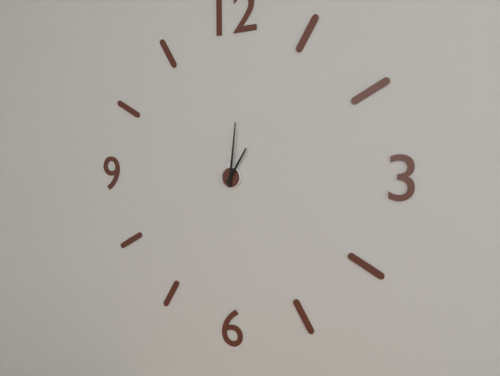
1h01
